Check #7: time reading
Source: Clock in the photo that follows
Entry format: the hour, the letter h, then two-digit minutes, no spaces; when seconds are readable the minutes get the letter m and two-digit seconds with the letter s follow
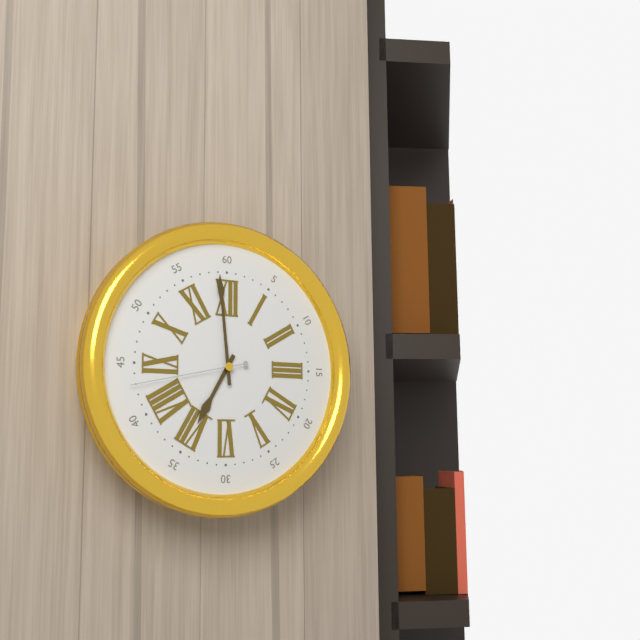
6h59m43s
